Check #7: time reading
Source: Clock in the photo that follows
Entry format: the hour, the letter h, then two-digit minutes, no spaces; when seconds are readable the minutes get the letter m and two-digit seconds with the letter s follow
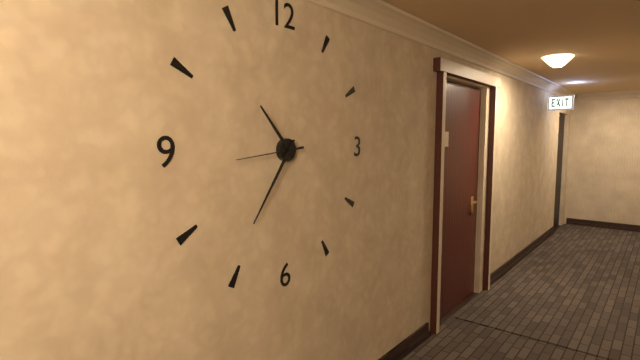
10h36m44s
